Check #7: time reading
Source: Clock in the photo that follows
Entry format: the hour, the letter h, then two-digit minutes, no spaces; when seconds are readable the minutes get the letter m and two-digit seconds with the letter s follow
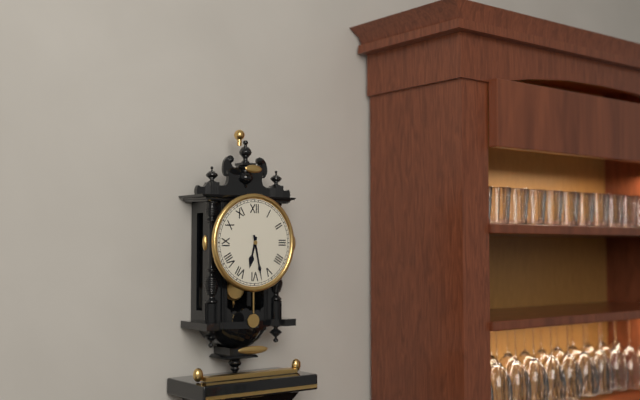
6h28
